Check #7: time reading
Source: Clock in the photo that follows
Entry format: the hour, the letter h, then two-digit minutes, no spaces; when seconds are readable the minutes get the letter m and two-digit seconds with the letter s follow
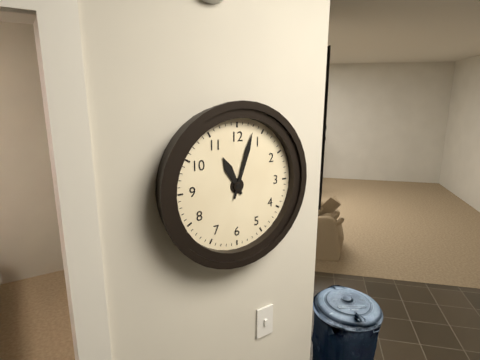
11h03
